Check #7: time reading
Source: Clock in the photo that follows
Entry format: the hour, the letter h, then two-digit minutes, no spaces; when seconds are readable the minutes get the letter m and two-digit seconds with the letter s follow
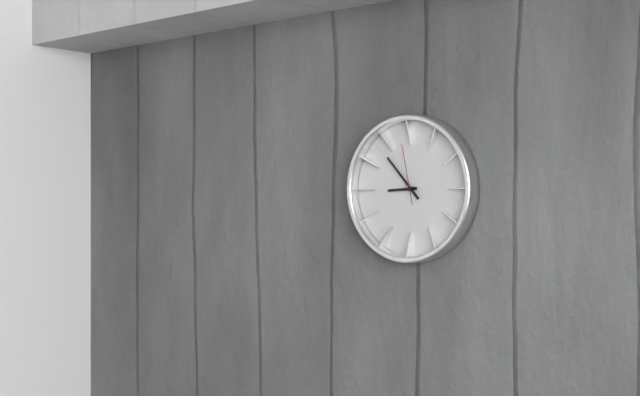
8h53m58s
